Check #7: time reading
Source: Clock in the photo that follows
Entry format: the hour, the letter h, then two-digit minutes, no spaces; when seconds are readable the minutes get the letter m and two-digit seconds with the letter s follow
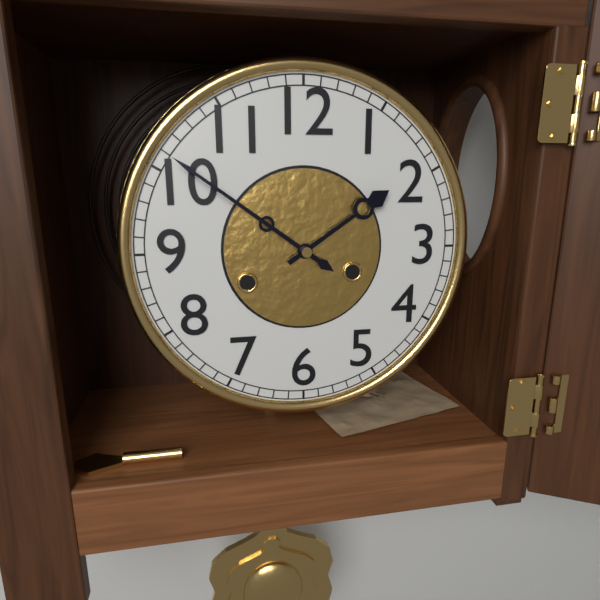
1h51
